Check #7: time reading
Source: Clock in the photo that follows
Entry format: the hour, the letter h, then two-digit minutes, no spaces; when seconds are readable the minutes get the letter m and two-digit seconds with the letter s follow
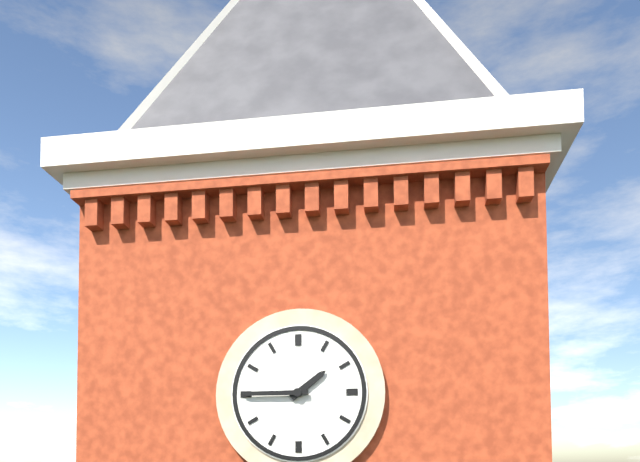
1h45
